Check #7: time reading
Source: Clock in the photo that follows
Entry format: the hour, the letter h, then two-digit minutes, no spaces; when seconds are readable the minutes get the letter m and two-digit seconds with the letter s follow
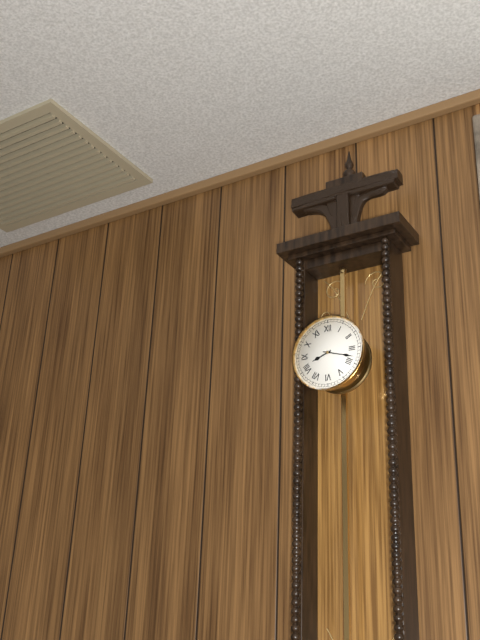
8h18
